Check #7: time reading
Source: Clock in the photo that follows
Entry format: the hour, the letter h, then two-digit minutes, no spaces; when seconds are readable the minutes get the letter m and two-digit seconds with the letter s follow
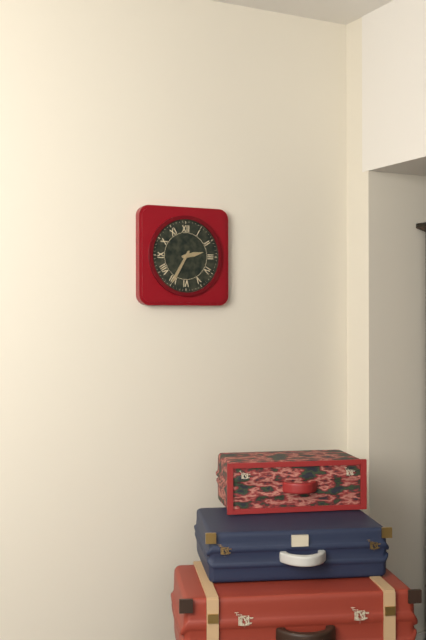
2h35
